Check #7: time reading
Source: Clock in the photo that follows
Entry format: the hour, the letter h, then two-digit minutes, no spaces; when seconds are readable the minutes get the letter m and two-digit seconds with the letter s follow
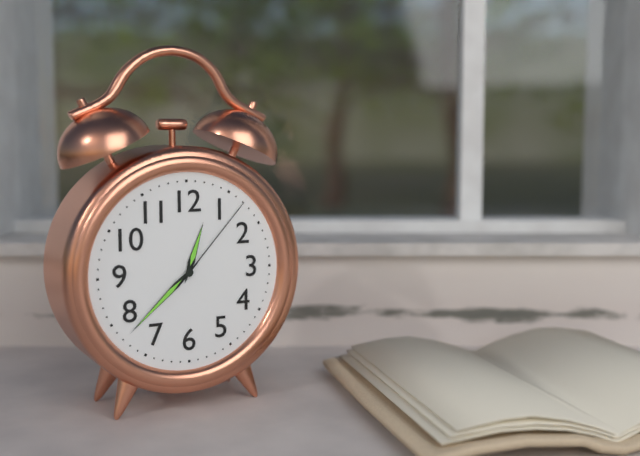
12h38m07s
